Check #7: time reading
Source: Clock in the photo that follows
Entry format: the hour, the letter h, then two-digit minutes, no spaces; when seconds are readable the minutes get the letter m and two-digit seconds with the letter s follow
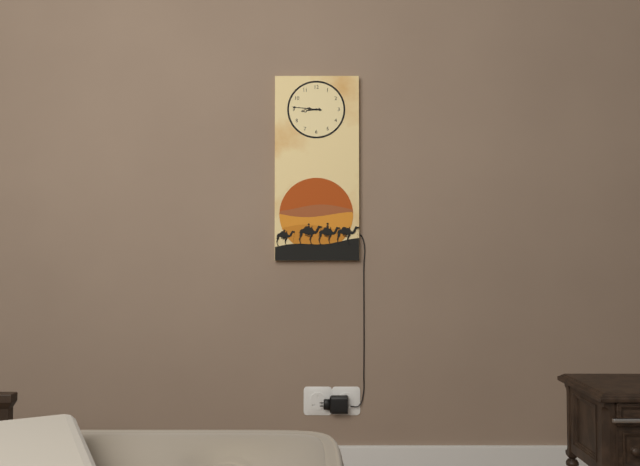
8h46
